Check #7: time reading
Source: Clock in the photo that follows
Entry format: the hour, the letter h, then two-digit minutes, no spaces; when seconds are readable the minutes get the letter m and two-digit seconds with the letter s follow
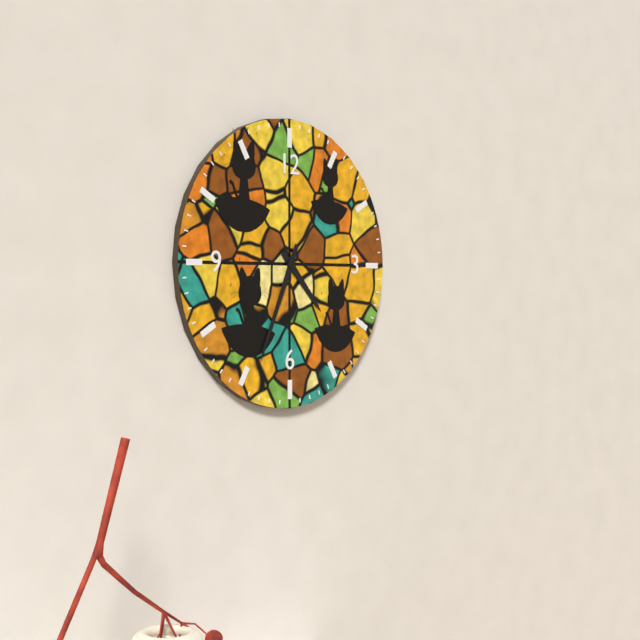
4h34
